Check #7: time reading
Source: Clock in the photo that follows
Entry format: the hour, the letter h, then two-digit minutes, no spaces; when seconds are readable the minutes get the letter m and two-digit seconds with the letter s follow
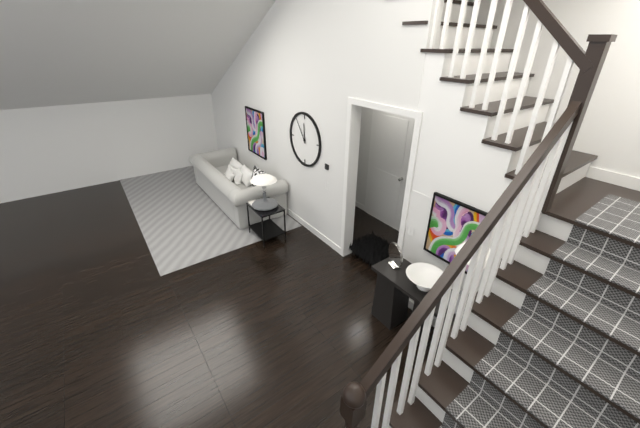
11h54
